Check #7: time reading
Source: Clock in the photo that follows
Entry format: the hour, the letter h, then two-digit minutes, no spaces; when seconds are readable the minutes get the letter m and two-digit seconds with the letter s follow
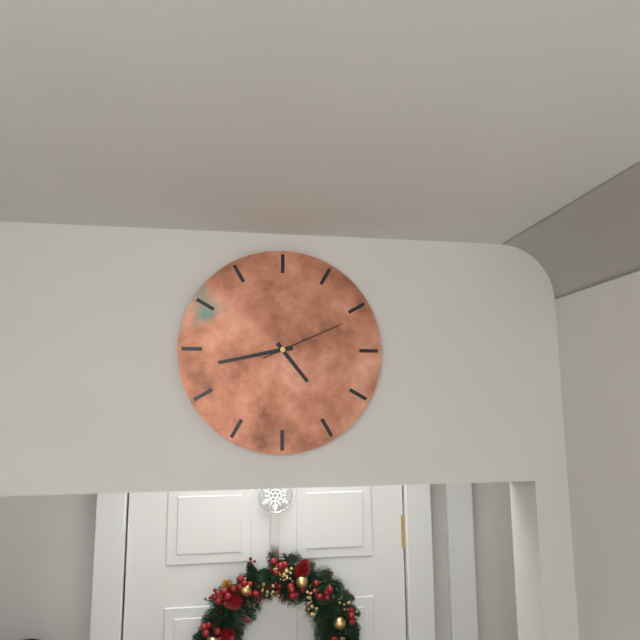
4h43m11s
